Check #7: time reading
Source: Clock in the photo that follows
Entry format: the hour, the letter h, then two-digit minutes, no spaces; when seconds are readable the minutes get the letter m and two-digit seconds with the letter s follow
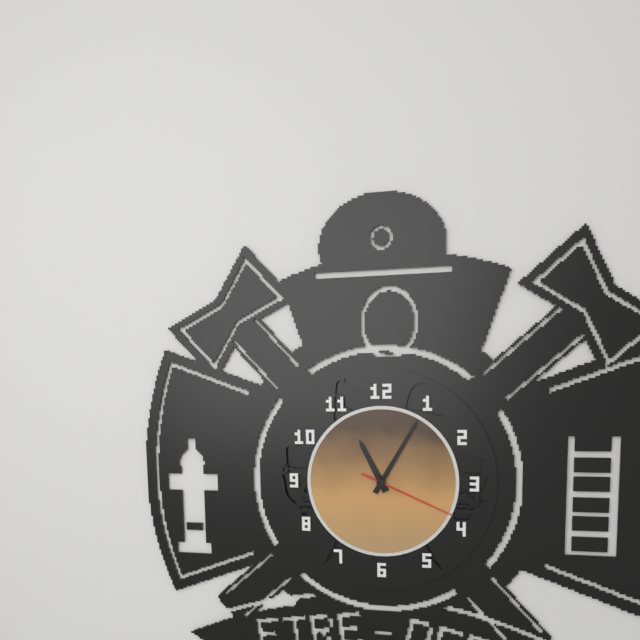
11h05m19s
